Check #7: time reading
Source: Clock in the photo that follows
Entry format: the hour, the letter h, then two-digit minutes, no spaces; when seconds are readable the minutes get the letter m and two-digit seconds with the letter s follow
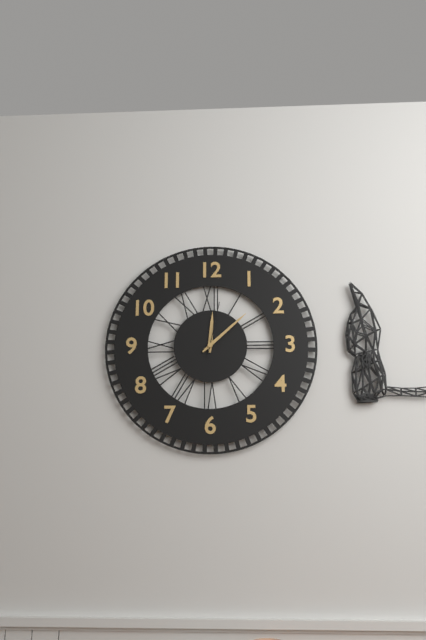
12h08m02s
